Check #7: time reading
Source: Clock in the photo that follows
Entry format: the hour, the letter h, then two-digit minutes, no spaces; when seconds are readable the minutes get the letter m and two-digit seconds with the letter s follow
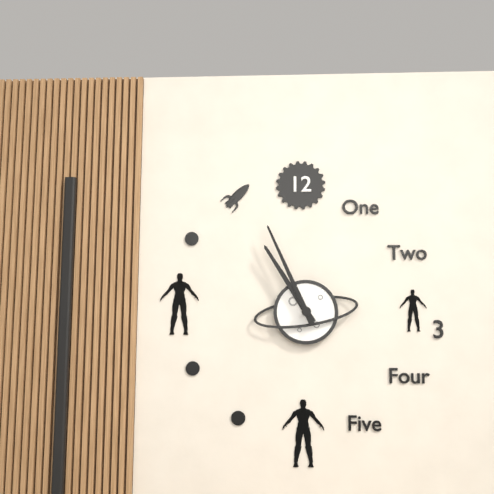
10h56
